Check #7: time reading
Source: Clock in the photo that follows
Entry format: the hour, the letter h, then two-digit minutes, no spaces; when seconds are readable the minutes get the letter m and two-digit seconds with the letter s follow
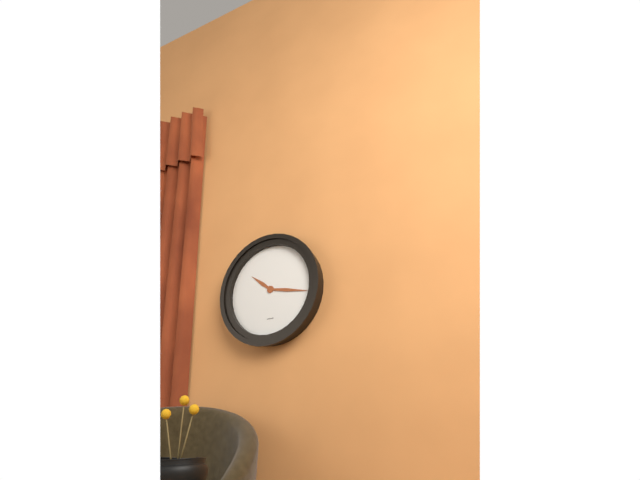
10h17
